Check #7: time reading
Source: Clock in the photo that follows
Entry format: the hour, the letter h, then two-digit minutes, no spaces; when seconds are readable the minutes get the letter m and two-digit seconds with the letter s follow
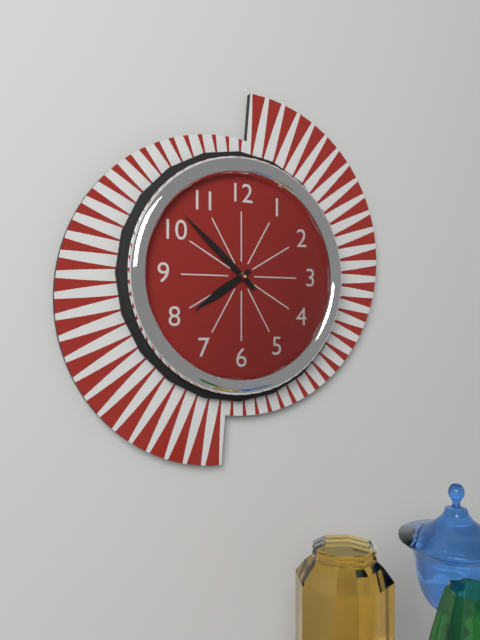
7h52
